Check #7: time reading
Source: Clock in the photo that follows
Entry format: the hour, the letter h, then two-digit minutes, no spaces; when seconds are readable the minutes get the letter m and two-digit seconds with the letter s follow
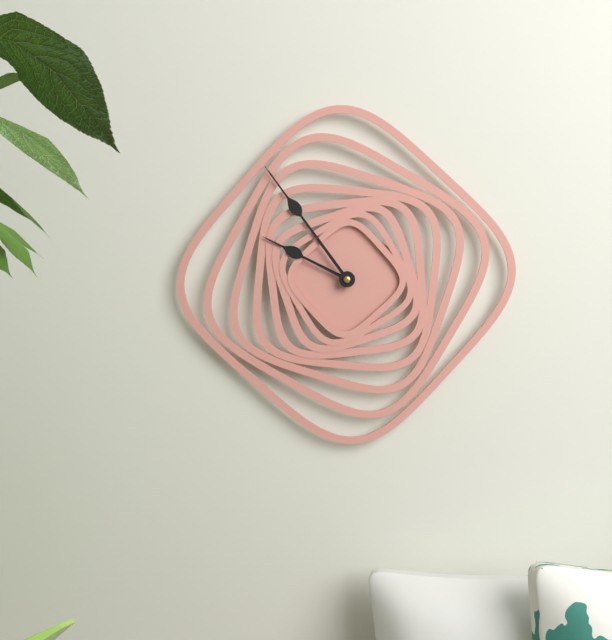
9h54
